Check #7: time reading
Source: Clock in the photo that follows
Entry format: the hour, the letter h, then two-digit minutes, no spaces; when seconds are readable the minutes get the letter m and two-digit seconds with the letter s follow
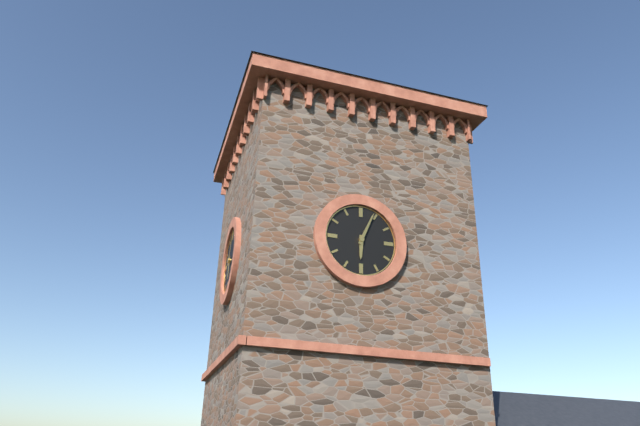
6h04
